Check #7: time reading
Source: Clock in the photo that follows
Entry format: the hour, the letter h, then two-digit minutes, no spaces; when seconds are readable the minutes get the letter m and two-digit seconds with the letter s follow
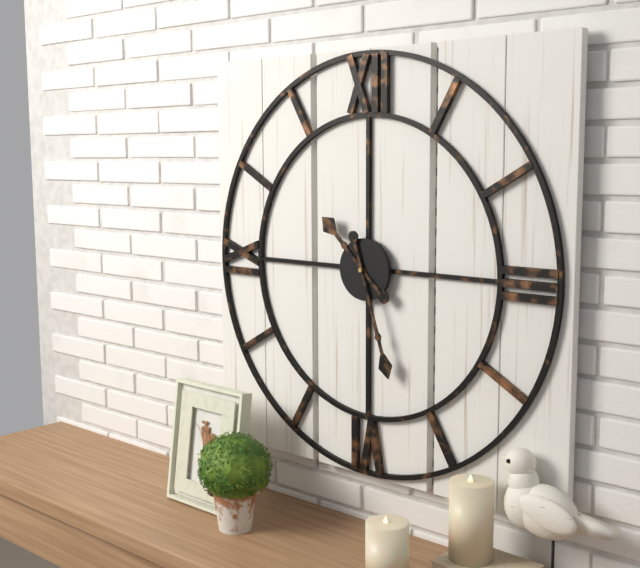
10h27
